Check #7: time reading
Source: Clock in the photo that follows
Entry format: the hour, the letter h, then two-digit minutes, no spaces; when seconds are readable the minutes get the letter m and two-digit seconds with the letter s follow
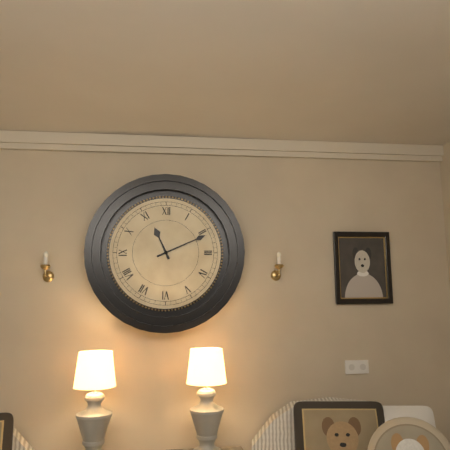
11h11
